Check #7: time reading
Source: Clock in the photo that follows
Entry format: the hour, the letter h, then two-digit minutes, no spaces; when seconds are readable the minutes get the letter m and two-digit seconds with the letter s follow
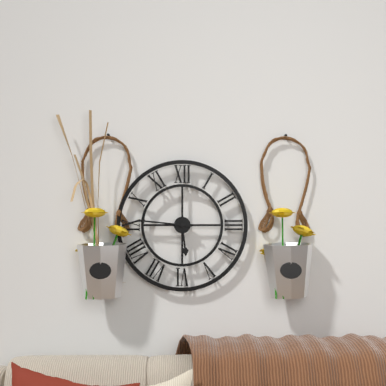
5h46
